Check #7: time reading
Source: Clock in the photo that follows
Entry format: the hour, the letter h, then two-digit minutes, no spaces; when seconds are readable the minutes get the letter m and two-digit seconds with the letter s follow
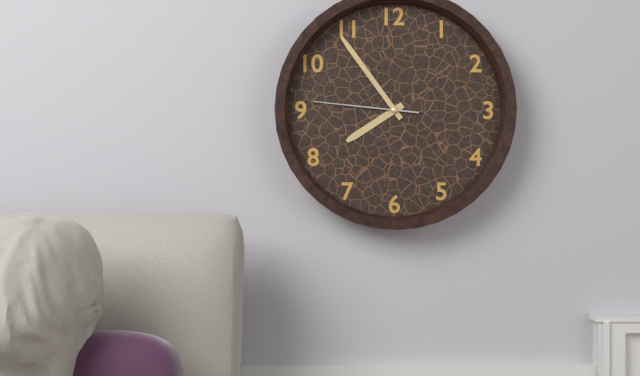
7h54m46s
